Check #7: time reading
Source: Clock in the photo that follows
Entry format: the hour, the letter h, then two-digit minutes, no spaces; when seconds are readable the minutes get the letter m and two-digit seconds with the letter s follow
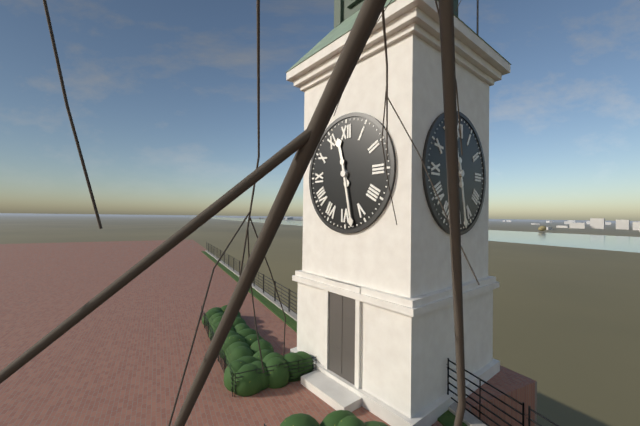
11h28
